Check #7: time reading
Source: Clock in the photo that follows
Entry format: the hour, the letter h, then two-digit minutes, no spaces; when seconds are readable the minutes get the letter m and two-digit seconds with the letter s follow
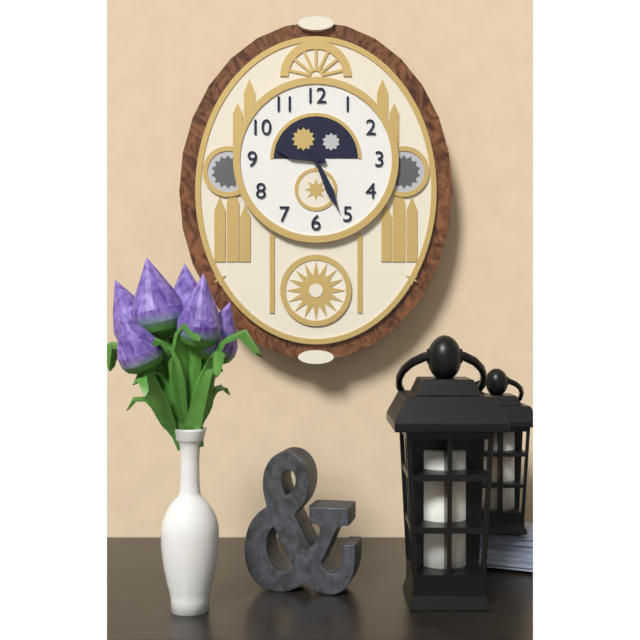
9h26
